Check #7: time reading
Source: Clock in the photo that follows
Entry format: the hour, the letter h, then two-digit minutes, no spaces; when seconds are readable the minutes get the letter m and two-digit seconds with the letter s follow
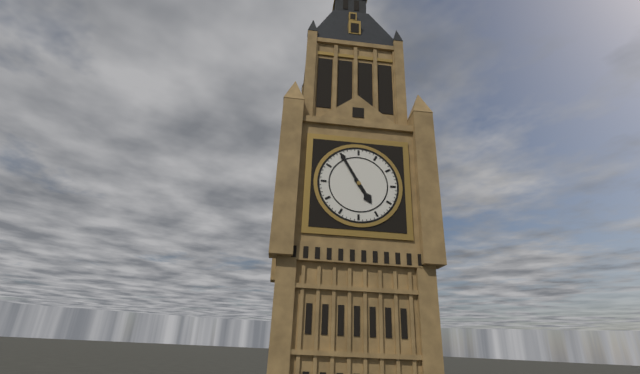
4h55
